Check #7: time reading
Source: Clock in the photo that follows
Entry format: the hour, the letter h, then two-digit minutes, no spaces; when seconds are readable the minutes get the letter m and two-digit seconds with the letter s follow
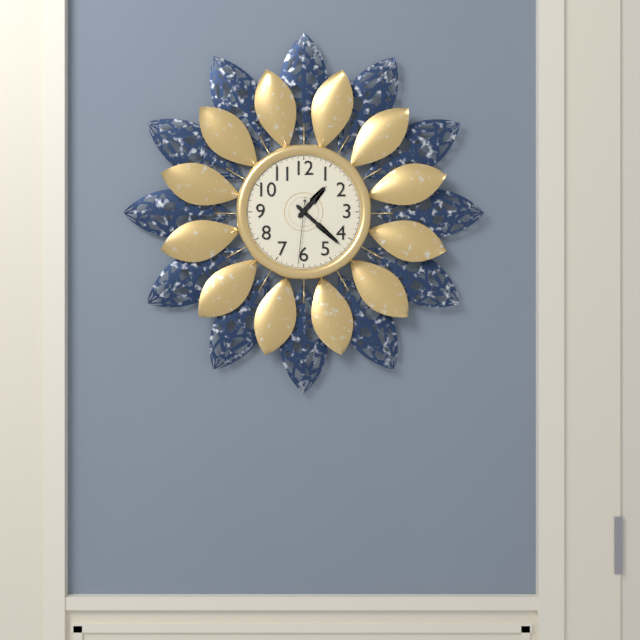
1h22m31s
